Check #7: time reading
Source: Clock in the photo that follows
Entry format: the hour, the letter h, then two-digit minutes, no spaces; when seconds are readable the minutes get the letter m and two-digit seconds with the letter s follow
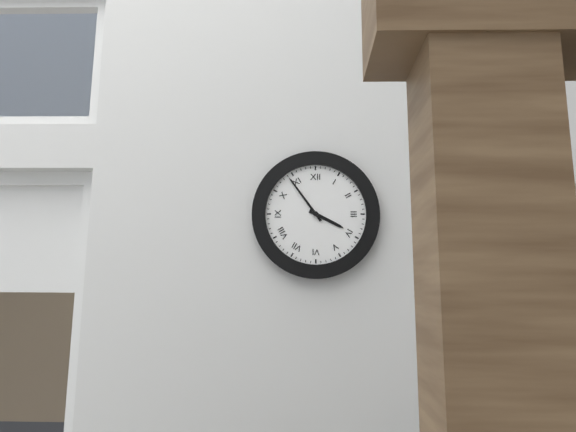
3h54
